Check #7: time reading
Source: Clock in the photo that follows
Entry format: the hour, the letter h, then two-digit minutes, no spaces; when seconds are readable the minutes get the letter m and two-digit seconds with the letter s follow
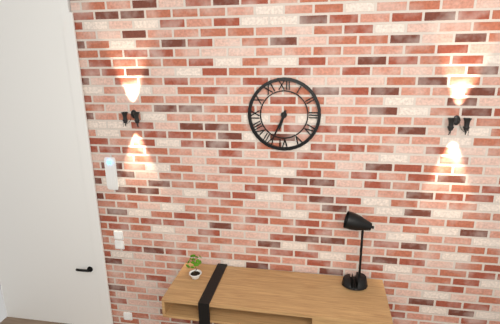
6h34
